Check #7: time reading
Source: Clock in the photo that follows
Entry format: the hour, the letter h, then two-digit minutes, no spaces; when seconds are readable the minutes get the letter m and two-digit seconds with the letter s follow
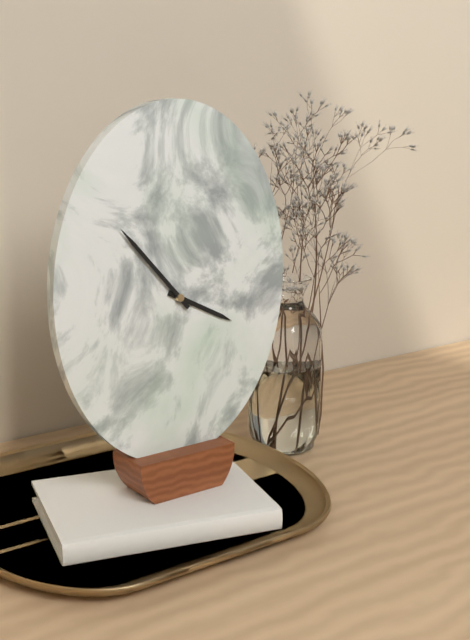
3h53
